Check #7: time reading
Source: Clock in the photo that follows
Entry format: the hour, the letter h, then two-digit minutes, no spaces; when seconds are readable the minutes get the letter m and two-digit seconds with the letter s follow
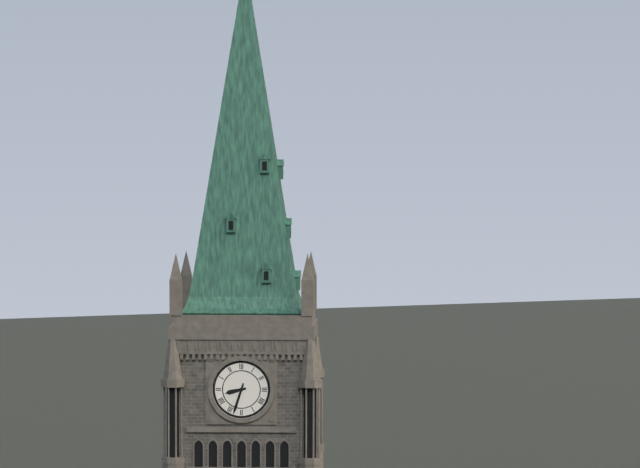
8h33
